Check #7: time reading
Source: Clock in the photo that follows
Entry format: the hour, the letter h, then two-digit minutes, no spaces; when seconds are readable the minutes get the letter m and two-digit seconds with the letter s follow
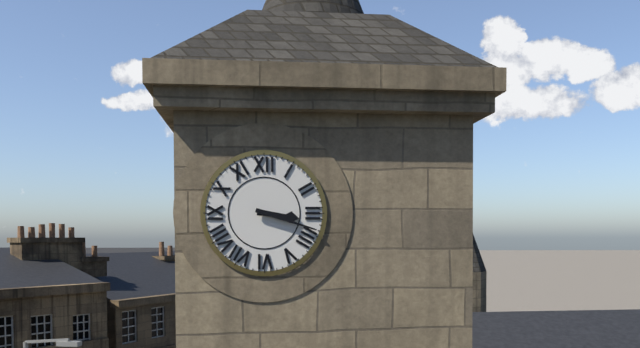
3h18
